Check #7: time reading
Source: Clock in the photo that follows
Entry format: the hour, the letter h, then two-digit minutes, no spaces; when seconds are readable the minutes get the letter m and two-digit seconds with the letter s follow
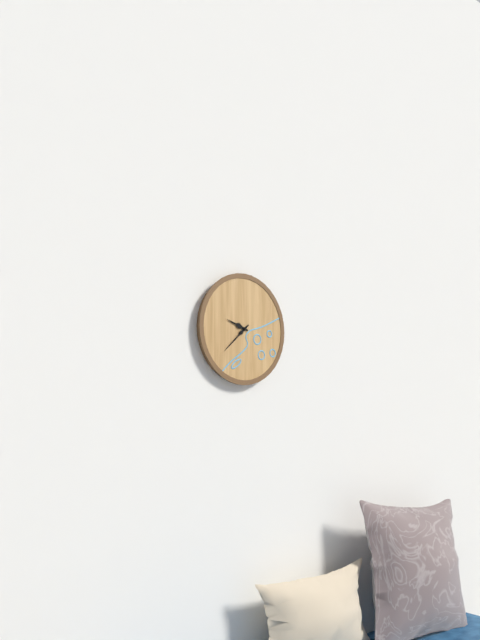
9h38
